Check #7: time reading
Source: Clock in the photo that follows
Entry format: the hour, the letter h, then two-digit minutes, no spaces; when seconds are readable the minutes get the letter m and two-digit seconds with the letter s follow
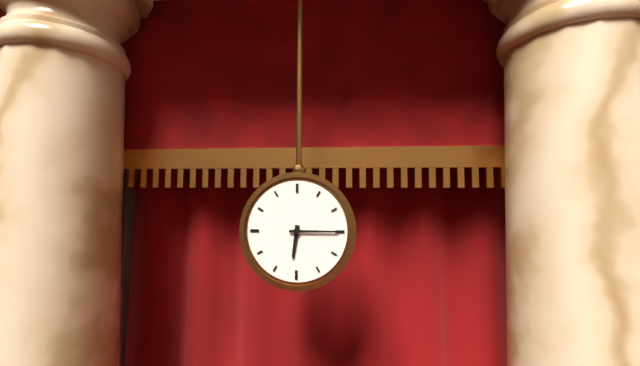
6h15
